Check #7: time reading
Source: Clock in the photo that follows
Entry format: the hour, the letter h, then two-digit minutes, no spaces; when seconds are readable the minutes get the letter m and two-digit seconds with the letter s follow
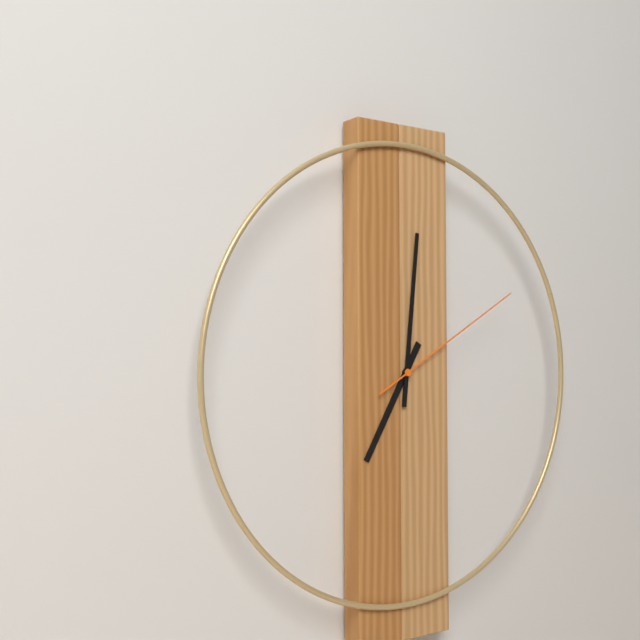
7h01m10s
